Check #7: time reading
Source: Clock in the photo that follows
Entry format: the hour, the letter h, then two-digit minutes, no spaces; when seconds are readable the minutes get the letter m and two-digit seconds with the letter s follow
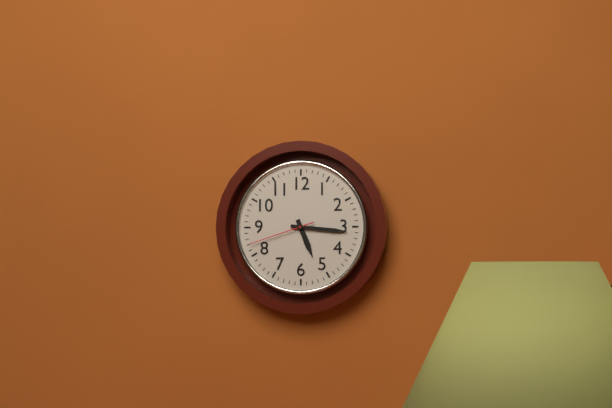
5h16m42s
